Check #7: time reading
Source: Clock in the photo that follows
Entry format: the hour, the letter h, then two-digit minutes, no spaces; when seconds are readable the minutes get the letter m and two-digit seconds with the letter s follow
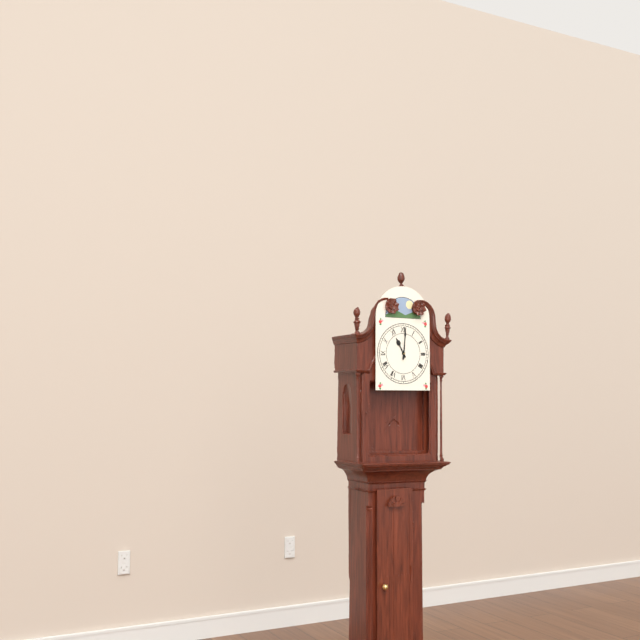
11h01
